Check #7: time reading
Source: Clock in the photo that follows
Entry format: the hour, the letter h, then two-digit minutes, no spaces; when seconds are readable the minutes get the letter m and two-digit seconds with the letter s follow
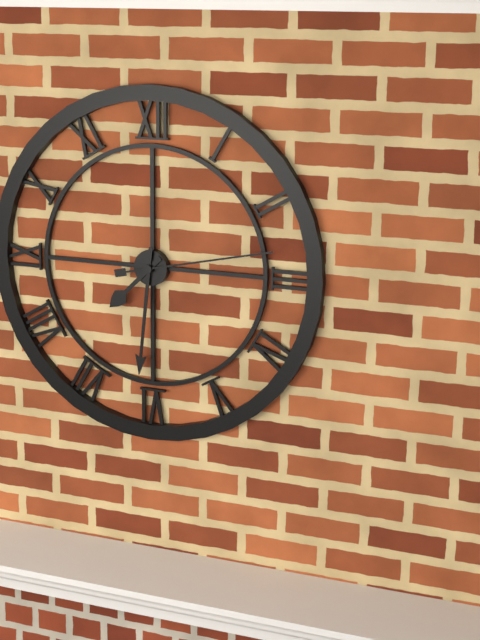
7h31m13s
